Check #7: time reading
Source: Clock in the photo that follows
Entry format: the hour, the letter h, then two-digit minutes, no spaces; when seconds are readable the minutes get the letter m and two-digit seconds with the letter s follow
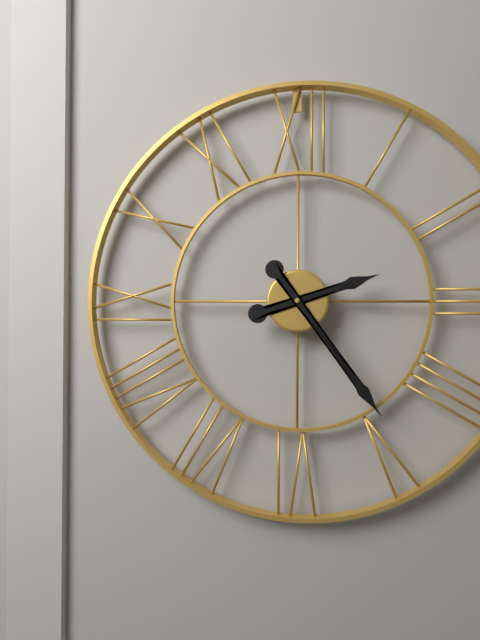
2h24
